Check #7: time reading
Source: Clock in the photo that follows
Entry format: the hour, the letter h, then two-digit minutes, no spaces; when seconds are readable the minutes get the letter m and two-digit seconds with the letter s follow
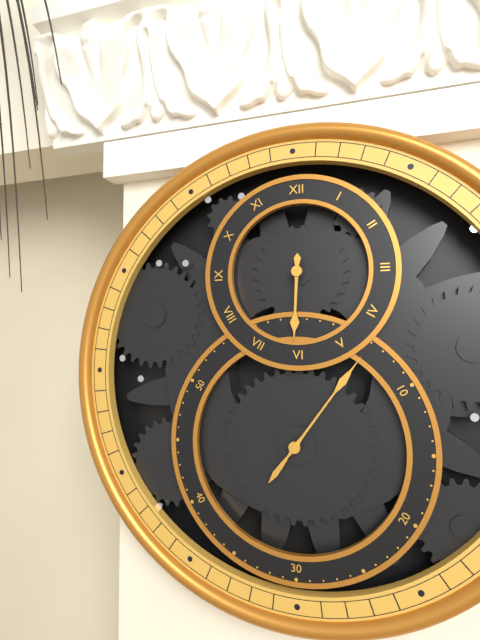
6h06
